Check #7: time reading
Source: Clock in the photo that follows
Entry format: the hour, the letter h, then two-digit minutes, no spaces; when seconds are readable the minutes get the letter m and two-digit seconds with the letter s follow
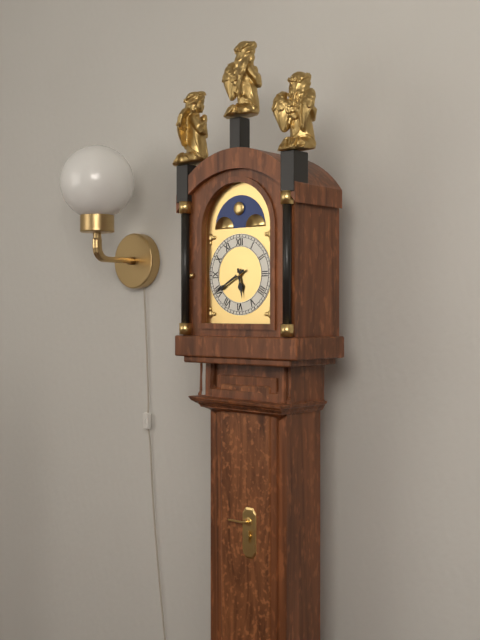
5h40
